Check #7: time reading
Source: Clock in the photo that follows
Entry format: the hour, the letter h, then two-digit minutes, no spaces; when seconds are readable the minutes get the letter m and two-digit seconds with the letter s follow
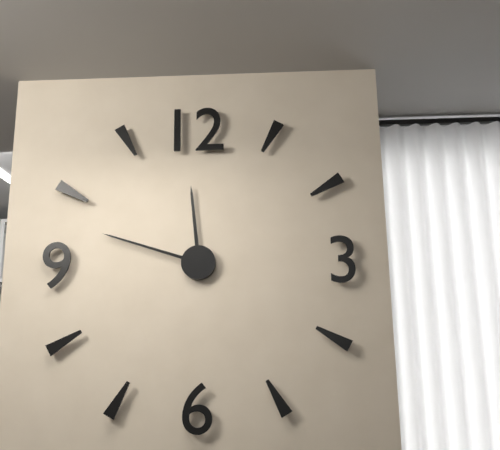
11h48
